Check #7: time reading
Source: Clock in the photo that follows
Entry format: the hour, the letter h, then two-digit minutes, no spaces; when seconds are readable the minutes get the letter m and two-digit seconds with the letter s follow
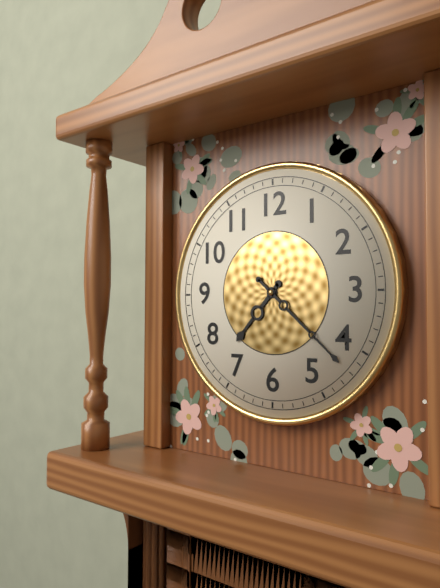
7h22
